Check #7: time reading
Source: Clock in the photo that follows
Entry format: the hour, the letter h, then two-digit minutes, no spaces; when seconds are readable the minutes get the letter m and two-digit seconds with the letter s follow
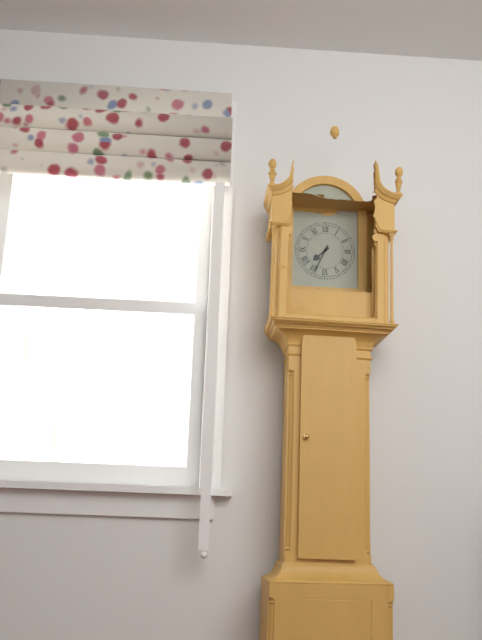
7h34
